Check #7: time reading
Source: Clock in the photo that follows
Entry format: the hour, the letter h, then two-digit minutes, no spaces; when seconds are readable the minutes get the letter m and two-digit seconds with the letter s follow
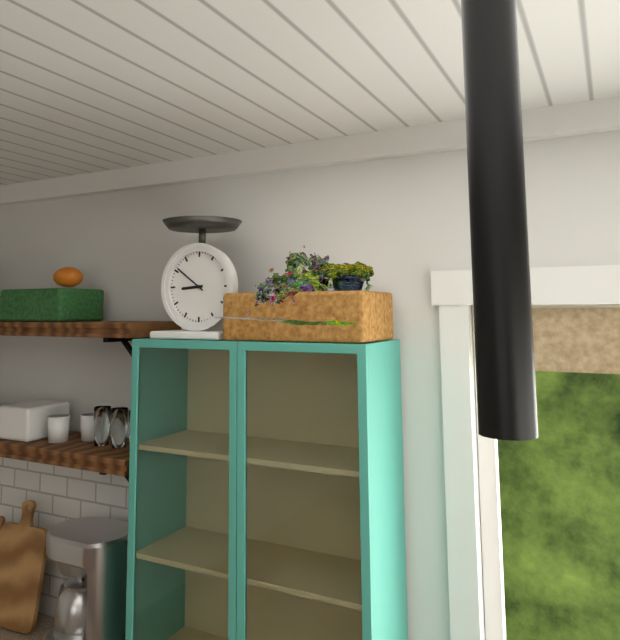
8h51
